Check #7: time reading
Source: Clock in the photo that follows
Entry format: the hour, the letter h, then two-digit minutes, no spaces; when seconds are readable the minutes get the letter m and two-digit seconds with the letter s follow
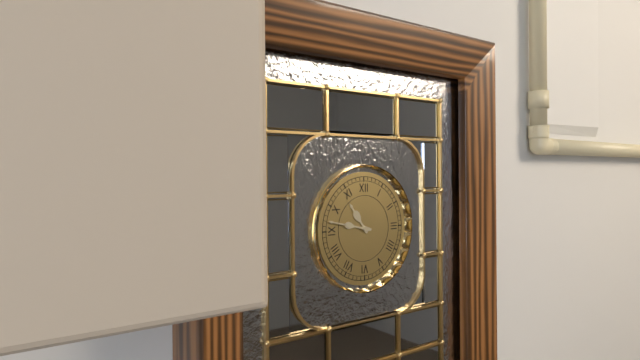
10h47
